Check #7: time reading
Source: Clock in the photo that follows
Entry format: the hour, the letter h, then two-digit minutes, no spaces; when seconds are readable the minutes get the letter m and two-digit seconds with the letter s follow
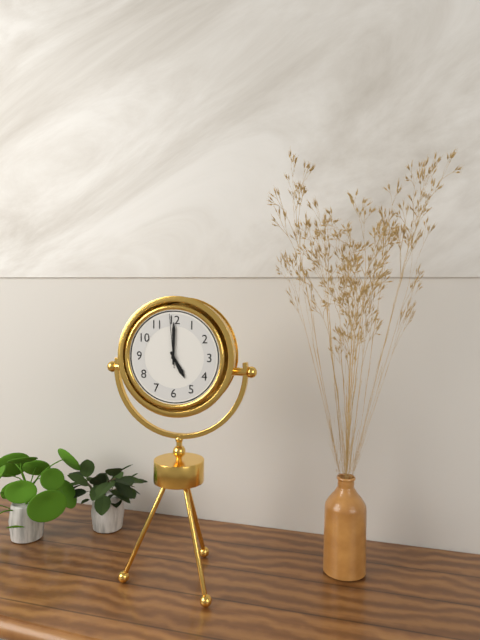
5h00m59s
